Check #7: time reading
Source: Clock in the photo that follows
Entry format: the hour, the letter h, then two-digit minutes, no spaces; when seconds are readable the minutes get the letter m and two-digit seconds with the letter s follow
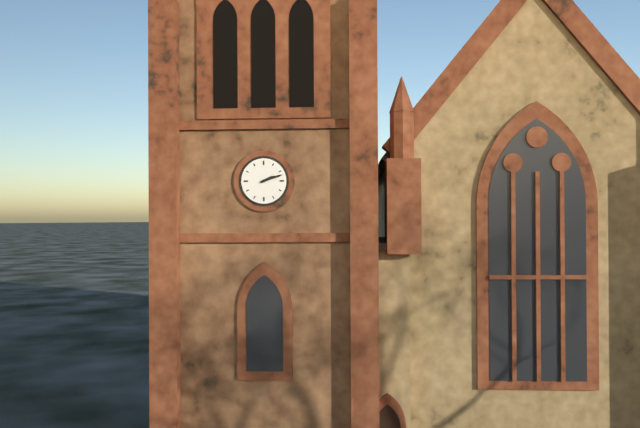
2h12
